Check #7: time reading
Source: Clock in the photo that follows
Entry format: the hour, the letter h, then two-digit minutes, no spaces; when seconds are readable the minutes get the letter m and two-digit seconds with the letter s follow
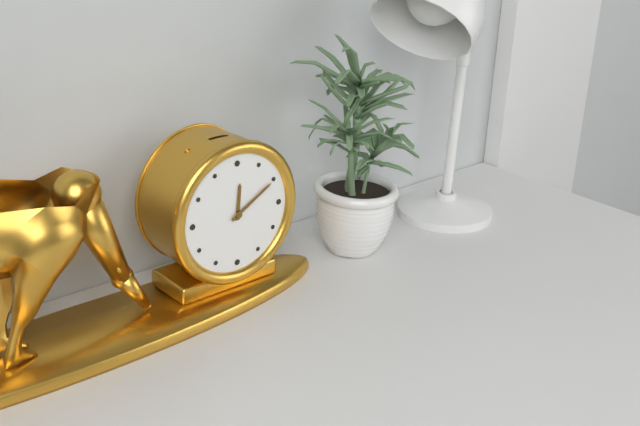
12h10
